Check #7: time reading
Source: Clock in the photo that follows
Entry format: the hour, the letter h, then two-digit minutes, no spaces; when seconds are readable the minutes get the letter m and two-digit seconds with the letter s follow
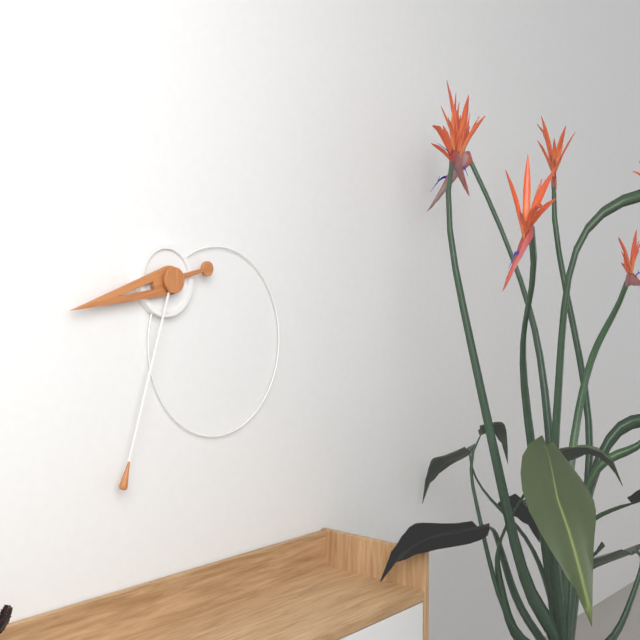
8h33
